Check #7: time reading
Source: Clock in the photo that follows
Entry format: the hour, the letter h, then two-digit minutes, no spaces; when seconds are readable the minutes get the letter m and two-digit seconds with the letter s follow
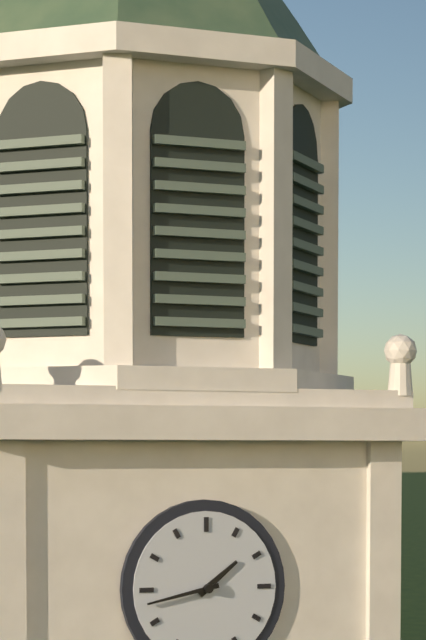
1h43
